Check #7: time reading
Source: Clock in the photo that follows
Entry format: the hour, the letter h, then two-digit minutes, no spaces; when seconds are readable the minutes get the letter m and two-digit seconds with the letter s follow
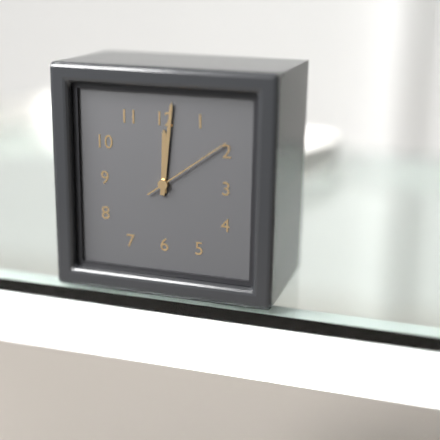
12h01m09s
